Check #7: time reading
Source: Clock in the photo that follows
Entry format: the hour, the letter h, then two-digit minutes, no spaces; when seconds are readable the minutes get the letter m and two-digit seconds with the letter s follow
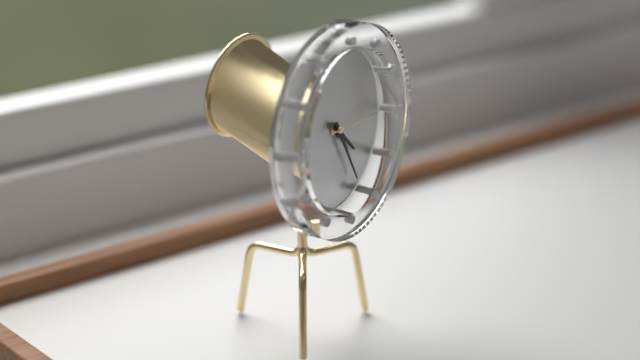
4h25m15s
